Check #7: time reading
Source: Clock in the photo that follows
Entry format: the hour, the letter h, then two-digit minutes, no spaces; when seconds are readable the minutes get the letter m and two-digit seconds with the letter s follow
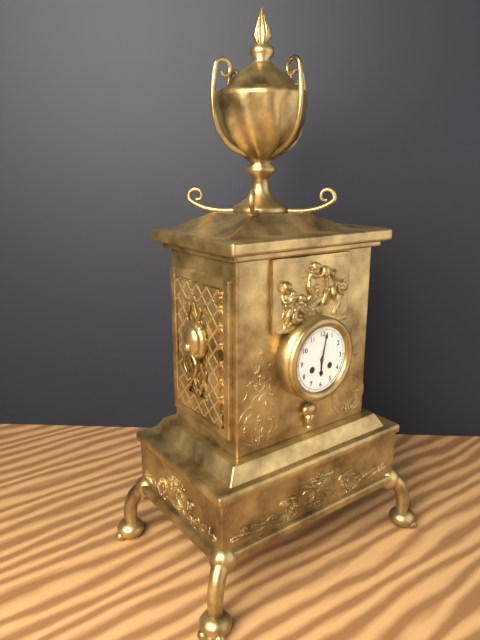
6h02
